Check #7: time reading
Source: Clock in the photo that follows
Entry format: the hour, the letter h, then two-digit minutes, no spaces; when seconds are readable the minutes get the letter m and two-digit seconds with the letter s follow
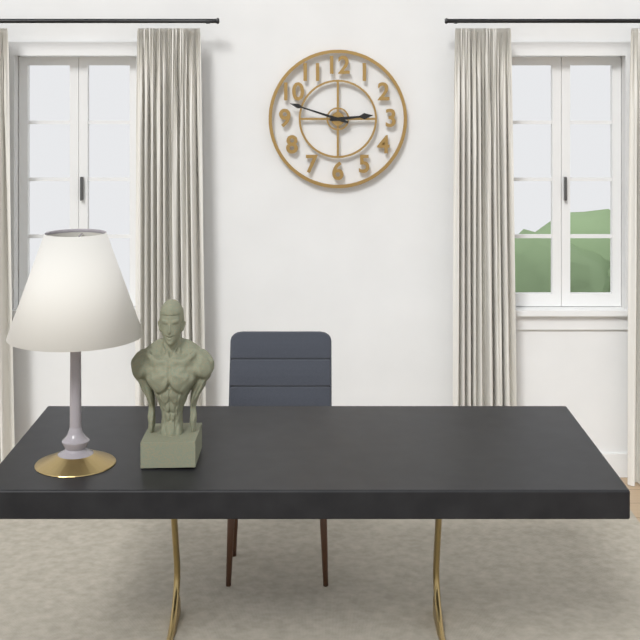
2h48
